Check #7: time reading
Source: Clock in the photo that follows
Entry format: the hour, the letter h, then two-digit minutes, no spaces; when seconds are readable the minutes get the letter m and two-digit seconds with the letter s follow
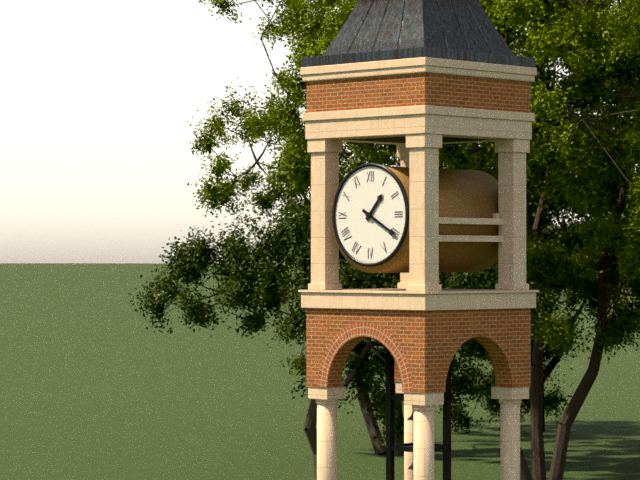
1h20
